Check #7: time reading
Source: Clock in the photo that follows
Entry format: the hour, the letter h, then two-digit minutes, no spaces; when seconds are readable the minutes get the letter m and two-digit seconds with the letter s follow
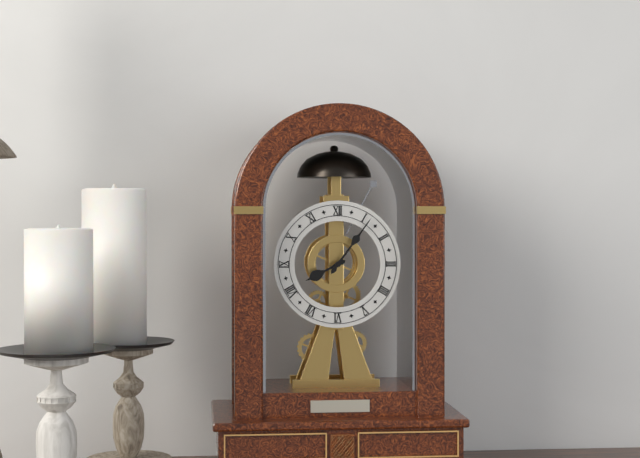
8h06
